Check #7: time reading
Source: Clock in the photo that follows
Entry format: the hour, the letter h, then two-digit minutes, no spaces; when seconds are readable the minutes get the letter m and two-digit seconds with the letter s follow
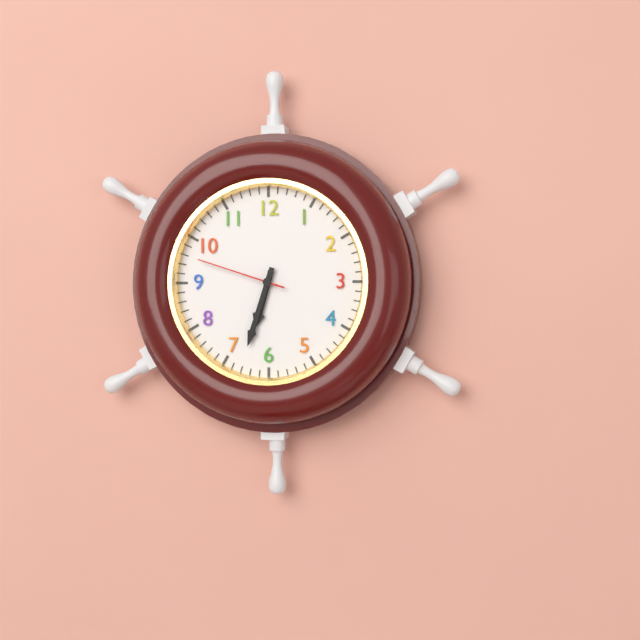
6h33m48s
